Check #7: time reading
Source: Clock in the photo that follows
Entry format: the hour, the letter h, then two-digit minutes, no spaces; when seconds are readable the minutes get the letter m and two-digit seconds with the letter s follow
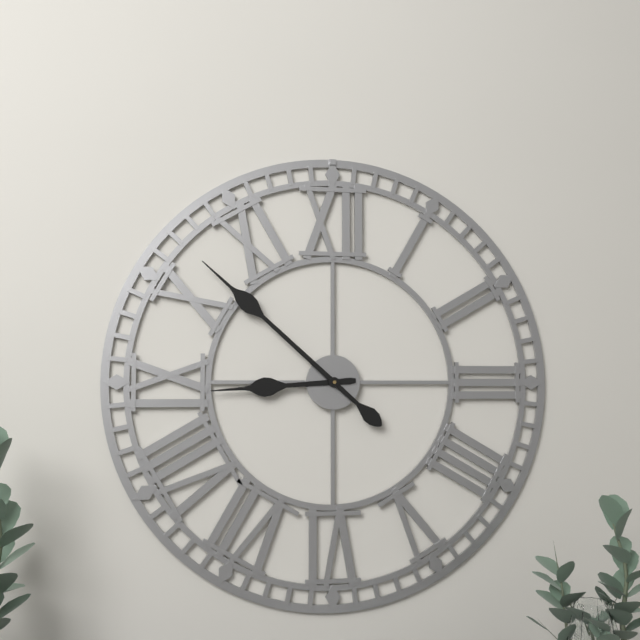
8h52
